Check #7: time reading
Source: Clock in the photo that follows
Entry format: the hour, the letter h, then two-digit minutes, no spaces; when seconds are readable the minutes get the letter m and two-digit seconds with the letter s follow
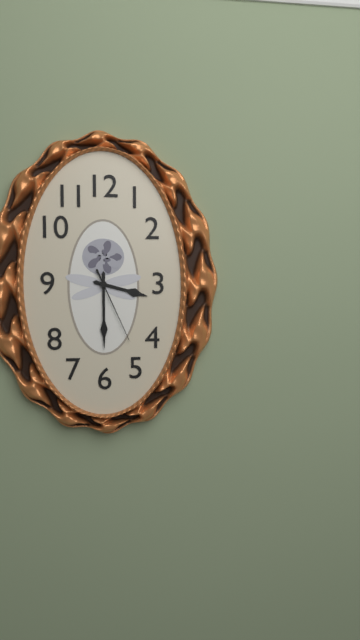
3h30m26s
